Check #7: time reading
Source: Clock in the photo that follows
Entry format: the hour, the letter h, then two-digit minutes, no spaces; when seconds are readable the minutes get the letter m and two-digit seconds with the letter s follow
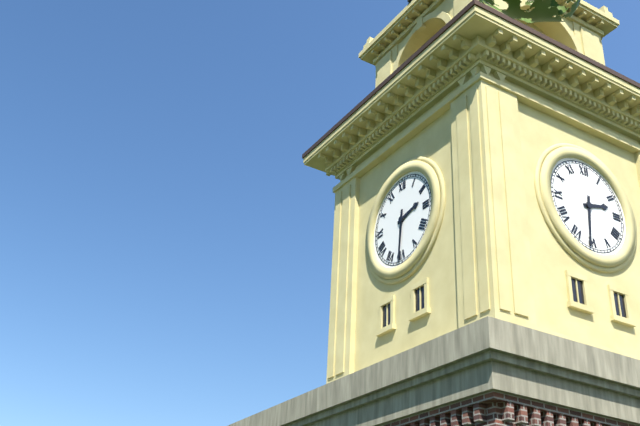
2h31
